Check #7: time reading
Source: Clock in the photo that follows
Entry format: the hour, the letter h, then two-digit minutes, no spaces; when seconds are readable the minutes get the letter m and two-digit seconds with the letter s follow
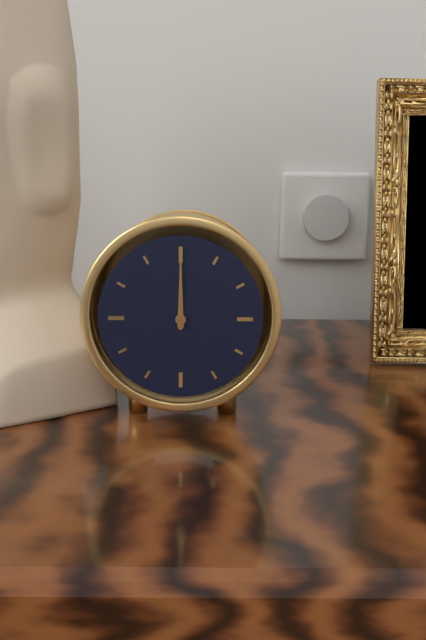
12h00
